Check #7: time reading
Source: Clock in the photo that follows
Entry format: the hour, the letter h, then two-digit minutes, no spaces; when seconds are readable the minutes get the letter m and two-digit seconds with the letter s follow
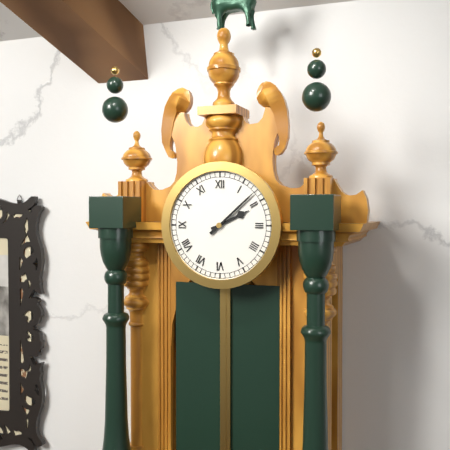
2h08
